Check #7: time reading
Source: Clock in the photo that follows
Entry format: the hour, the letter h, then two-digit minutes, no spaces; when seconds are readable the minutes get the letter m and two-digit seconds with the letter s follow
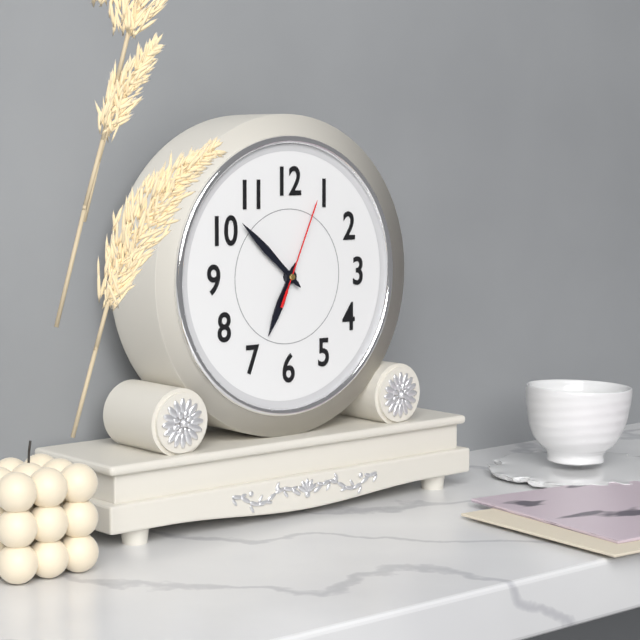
6h52m04s
